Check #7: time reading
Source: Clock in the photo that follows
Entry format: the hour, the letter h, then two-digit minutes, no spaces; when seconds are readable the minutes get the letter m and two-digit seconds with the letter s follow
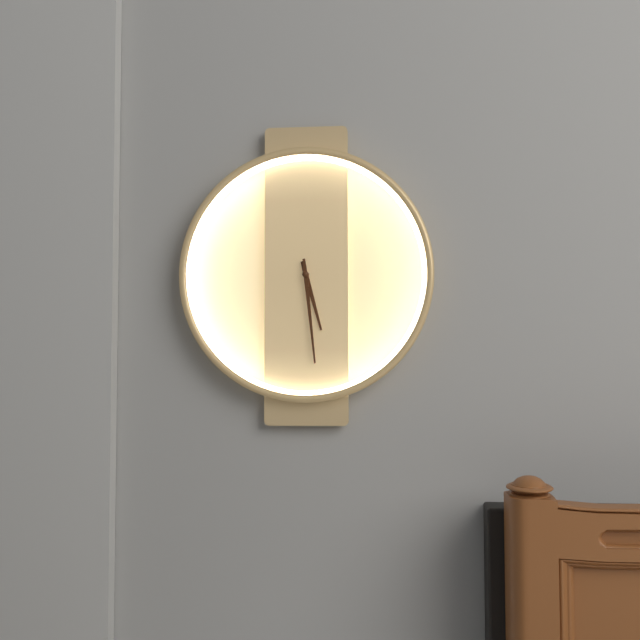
5h29
